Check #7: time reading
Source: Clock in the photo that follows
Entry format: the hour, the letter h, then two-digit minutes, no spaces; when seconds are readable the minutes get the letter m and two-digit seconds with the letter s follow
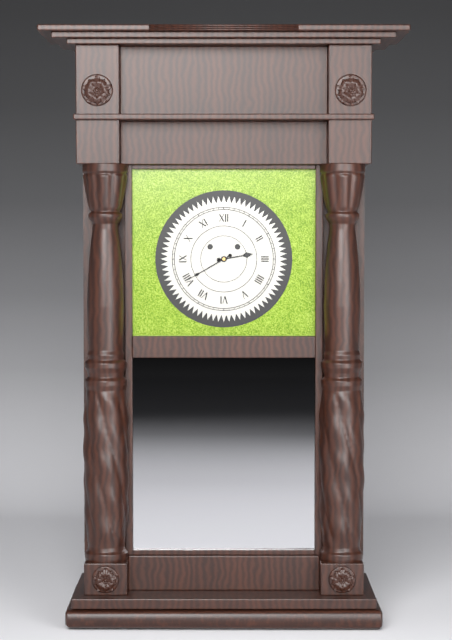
2h40
